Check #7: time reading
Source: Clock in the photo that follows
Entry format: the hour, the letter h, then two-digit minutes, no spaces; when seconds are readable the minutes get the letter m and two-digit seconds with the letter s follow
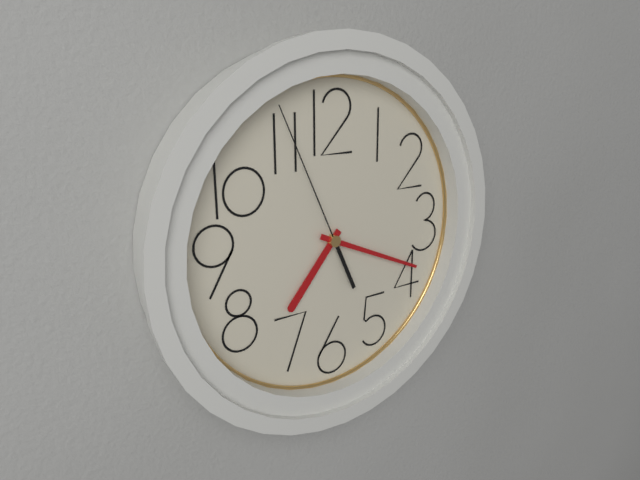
7h19m56s
